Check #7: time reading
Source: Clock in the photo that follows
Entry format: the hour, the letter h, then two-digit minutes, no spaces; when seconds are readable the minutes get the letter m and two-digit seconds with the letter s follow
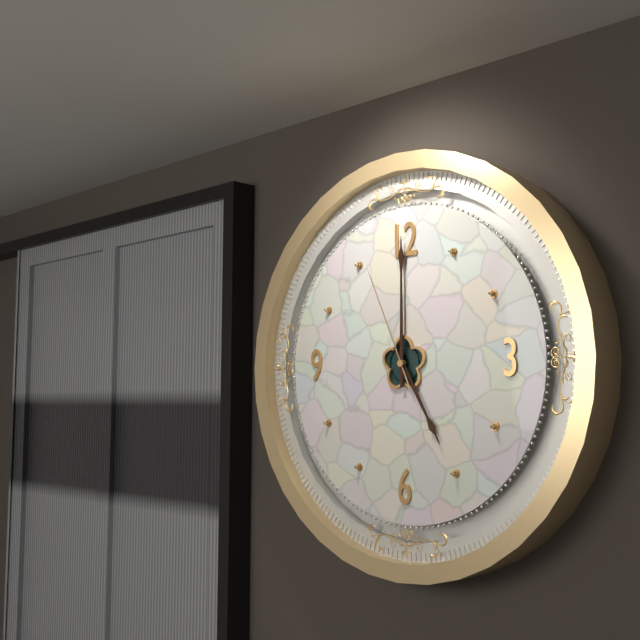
5h00m56s
